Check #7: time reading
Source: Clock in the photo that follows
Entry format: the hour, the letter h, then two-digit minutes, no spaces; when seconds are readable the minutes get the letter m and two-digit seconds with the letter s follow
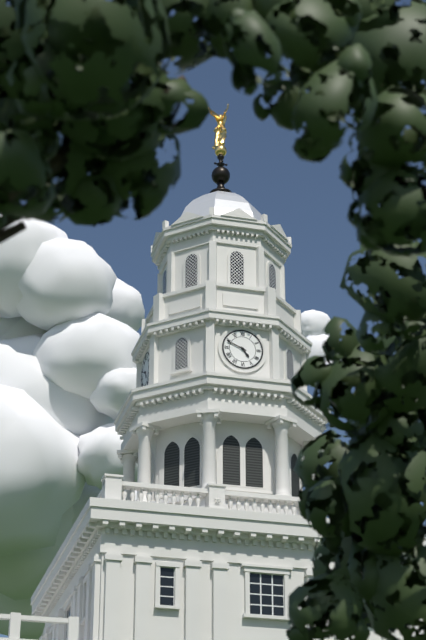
4h49
